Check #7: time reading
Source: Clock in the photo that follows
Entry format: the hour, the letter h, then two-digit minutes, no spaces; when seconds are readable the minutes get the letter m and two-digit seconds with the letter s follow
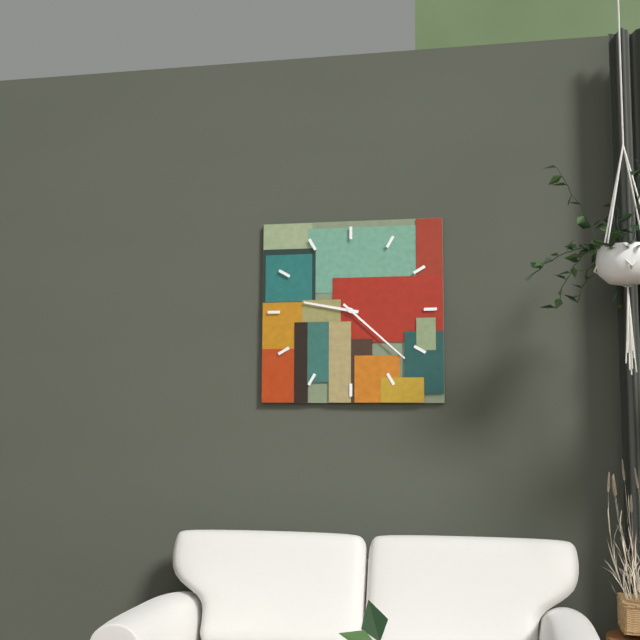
9h22
